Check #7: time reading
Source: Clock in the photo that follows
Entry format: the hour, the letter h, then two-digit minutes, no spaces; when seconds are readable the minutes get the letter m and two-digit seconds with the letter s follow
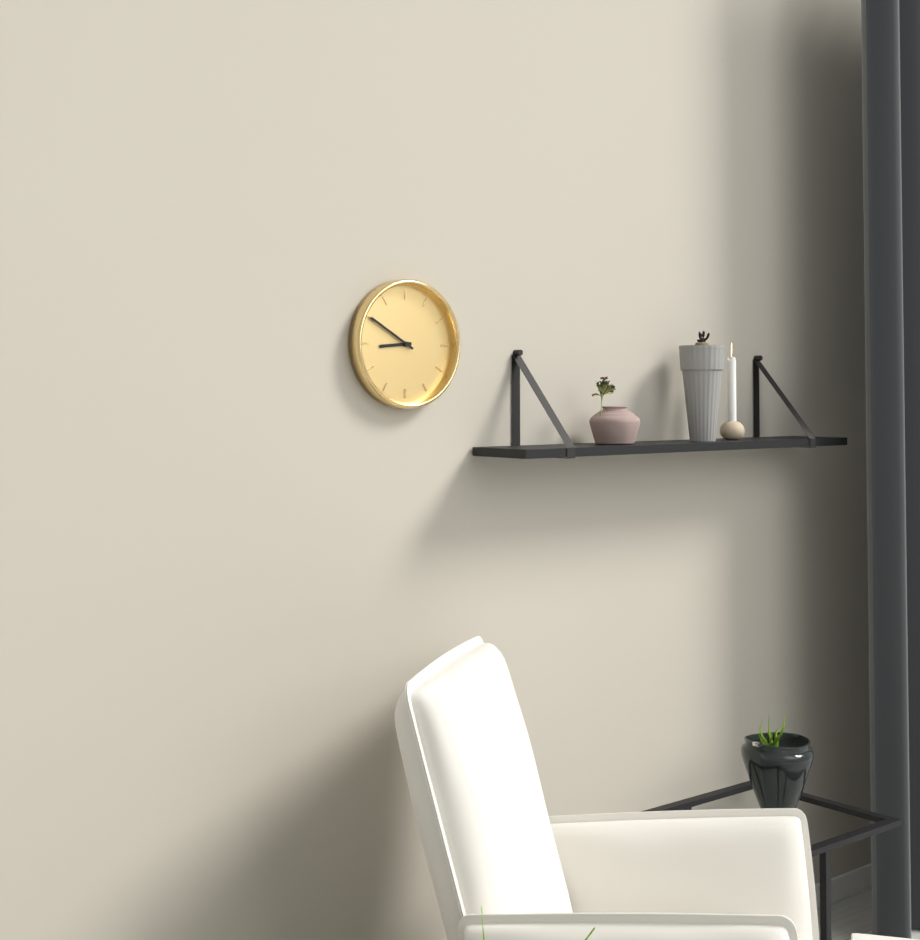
8h50
